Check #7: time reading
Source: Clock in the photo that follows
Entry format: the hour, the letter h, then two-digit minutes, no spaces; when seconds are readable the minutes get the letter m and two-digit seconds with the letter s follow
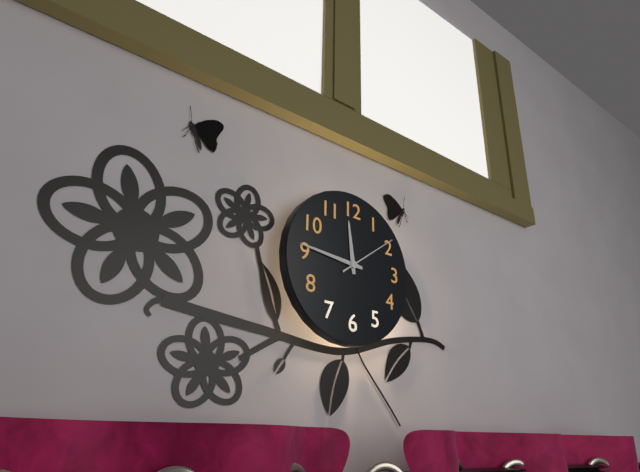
11h46m09s
